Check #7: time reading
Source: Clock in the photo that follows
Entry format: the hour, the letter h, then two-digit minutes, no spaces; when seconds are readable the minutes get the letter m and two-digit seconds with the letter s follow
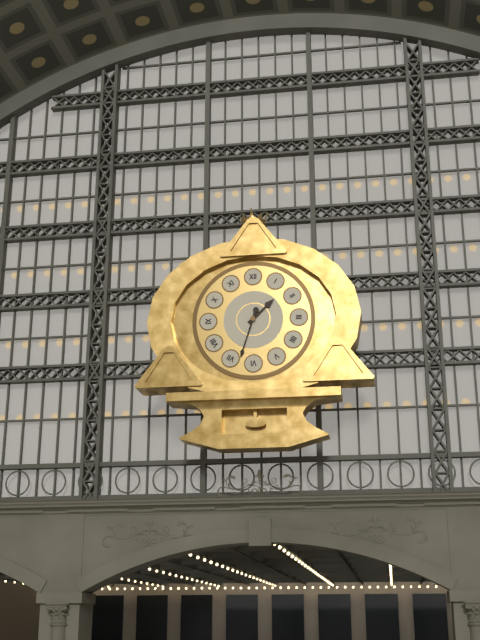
1h33
